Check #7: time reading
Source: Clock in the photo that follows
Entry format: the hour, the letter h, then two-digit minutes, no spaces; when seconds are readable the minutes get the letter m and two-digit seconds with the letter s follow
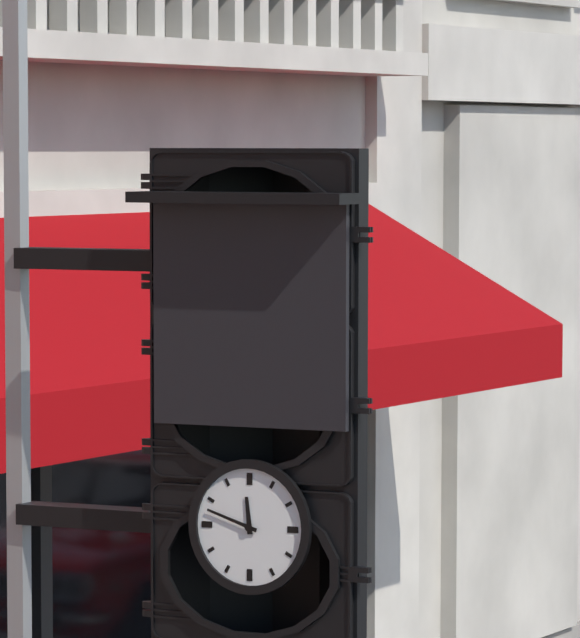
11h48
